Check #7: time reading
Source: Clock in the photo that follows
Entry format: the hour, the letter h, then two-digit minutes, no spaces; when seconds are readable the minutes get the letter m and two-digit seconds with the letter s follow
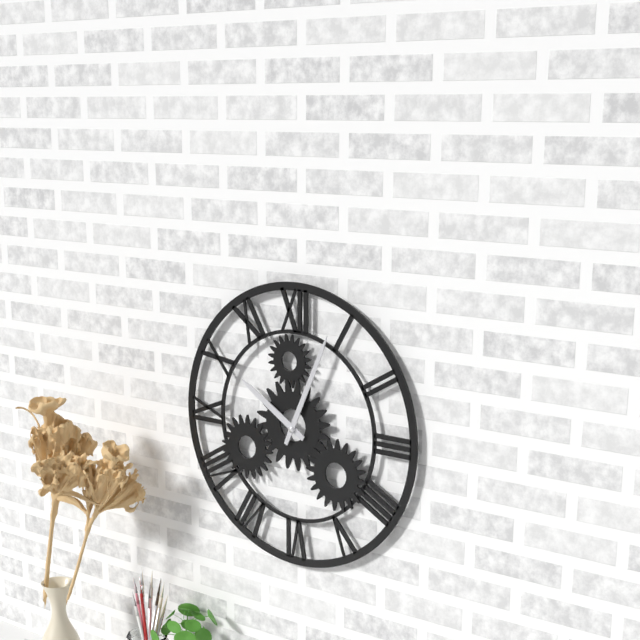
10h04
